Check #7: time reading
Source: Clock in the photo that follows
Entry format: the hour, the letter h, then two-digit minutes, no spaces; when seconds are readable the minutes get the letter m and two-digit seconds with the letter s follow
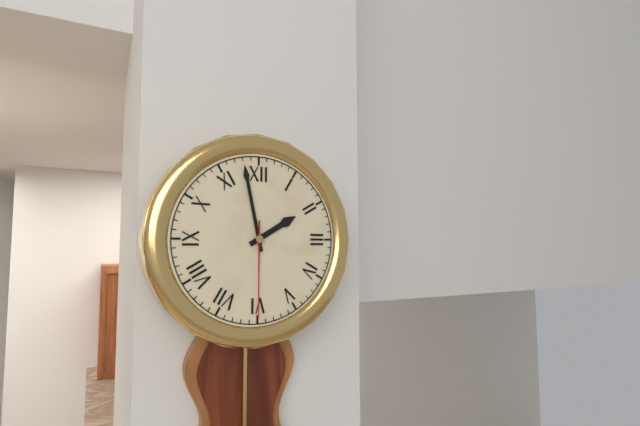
1h58m30s
